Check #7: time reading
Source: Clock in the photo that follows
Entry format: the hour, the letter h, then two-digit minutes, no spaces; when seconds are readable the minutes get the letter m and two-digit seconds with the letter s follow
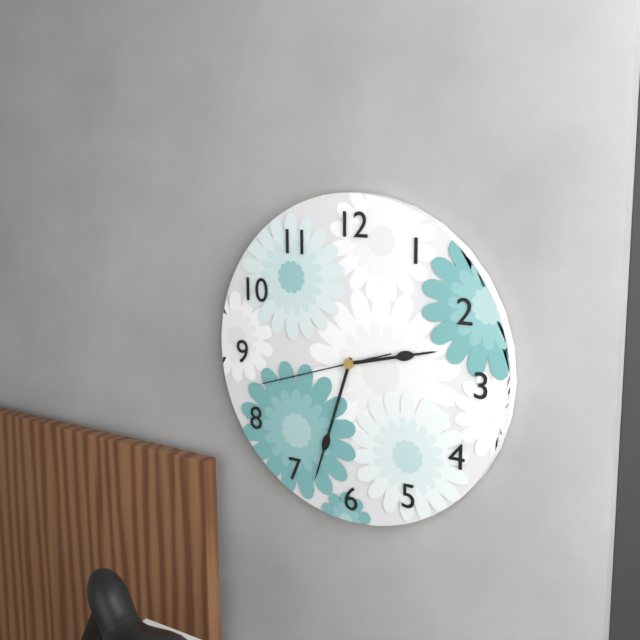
2h33m42s
